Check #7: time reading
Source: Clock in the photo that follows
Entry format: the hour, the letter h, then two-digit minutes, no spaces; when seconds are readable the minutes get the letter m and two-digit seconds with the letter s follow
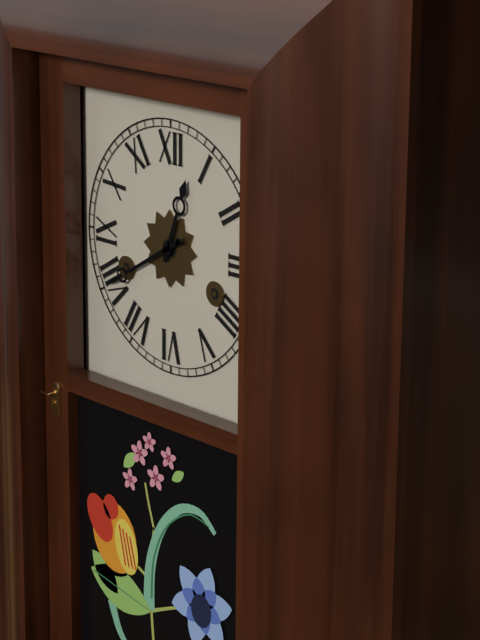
12h40
